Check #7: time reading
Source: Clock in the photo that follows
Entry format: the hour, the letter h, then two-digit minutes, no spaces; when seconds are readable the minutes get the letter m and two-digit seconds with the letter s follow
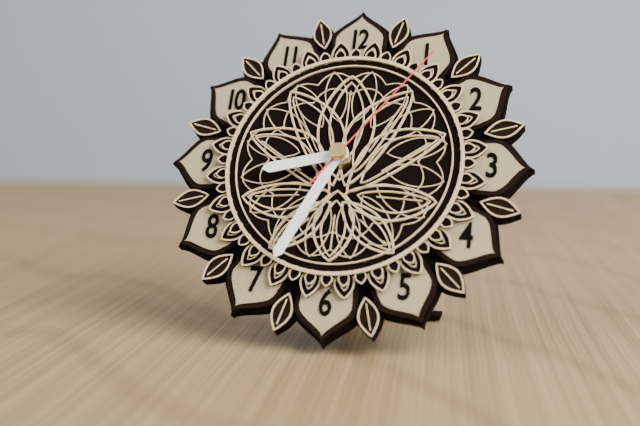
8h34m06s
